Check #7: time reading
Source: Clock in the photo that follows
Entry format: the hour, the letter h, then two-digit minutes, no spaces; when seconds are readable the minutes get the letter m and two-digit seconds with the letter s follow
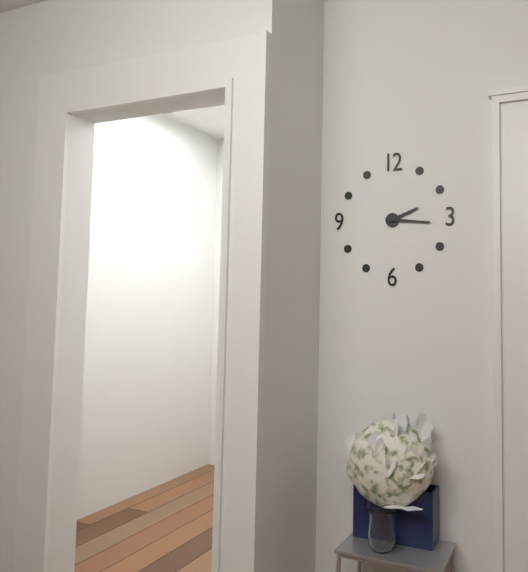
2h16
